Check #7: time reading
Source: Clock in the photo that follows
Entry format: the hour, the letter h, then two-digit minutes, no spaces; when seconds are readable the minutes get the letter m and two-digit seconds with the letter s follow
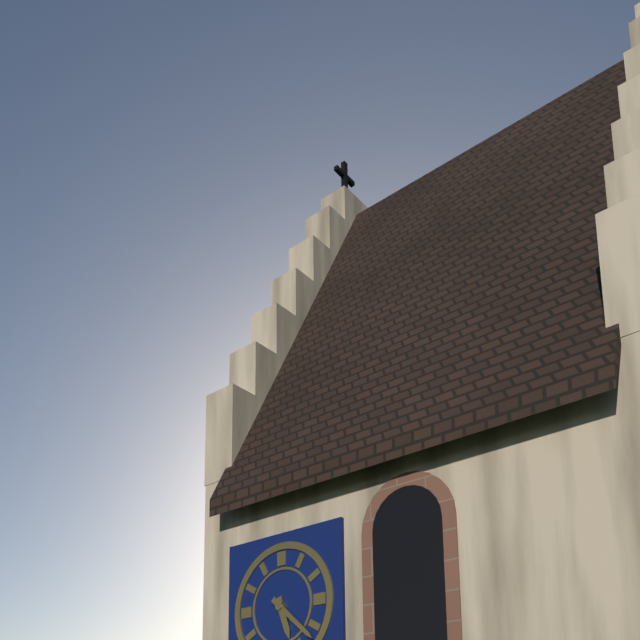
5h22
